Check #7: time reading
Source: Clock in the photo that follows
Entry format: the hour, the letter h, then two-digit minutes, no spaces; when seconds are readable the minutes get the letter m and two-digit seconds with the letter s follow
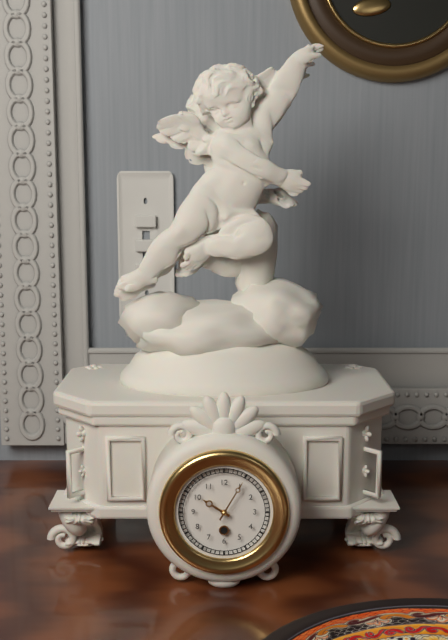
10h05
